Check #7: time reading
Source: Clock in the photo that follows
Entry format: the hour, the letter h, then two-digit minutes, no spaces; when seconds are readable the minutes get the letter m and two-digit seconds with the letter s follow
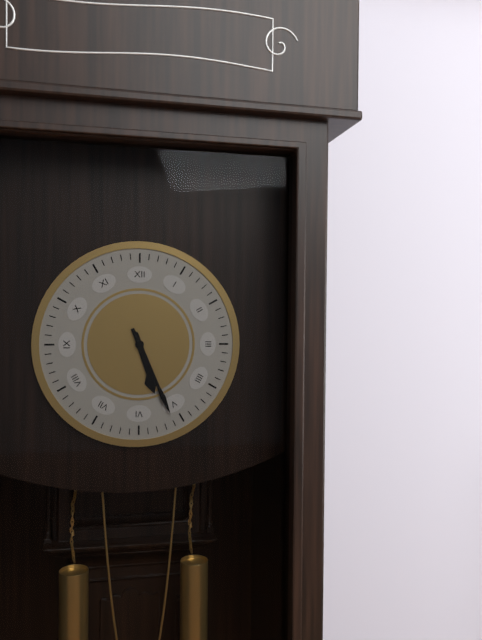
5h26
